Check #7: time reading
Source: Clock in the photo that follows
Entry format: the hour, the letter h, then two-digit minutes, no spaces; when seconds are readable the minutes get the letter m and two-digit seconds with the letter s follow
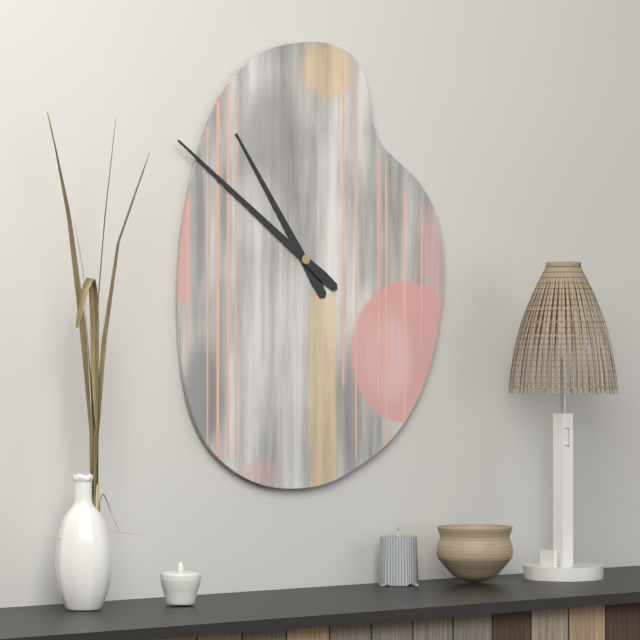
10h51
